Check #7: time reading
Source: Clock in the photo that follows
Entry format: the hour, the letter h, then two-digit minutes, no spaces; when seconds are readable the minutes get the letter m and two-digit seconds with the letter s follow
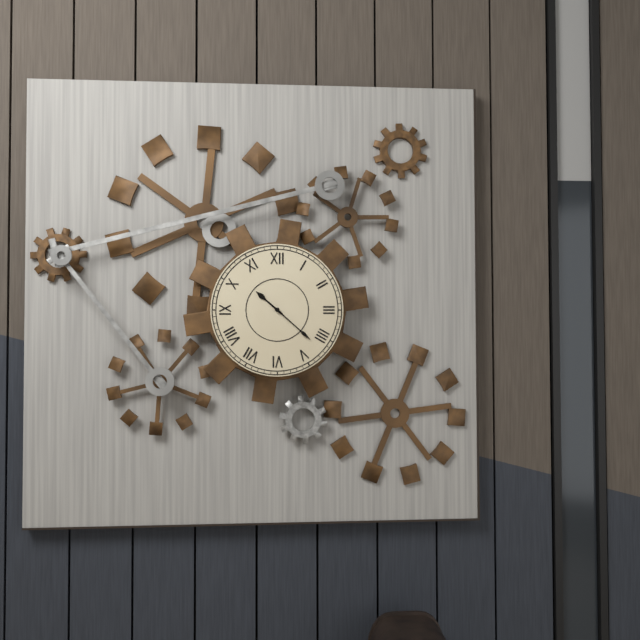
10h22
